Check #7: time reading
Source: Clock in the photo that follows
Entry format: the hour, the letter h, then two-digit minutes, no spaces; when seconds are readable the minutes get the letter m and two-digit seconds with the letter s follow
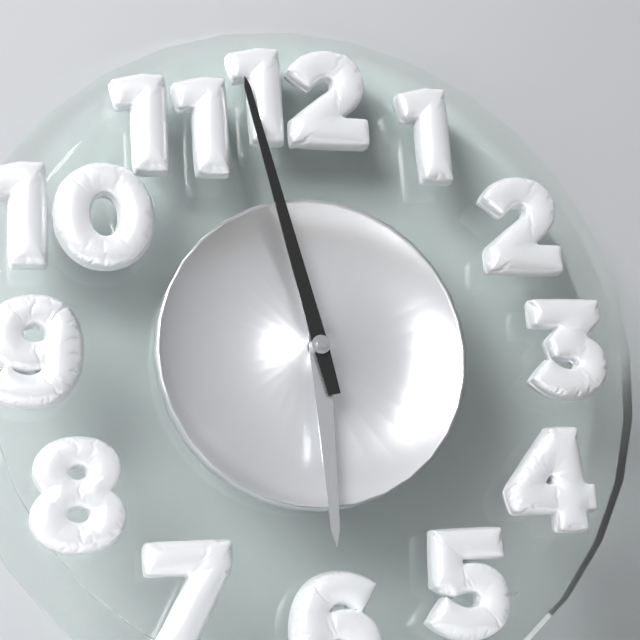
5h58
